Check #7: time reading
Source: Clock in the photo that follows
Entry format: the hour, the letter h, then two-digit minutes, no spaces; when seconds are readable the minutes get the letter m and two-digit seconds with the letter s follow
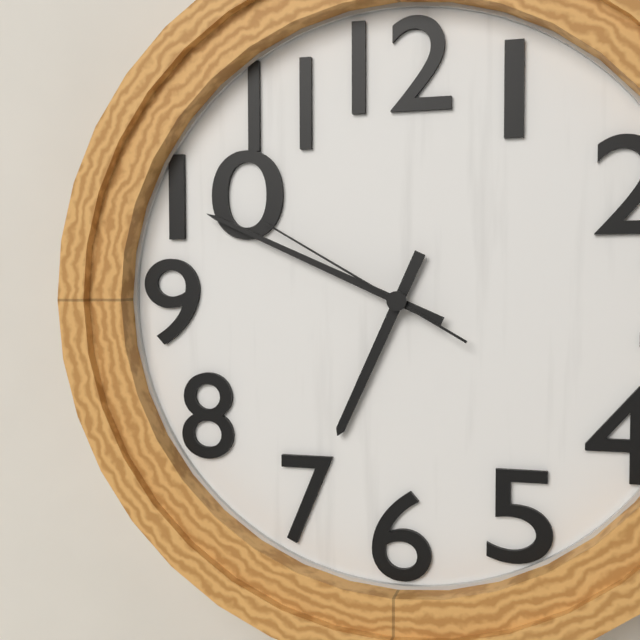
6h49m50s
